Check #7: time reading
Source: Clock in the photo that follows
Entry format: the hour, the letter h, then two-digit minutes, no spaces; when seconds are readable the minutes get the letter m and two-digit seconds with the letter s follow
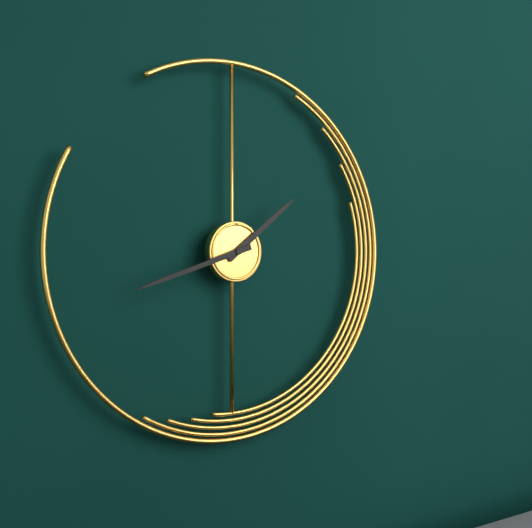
1h42
